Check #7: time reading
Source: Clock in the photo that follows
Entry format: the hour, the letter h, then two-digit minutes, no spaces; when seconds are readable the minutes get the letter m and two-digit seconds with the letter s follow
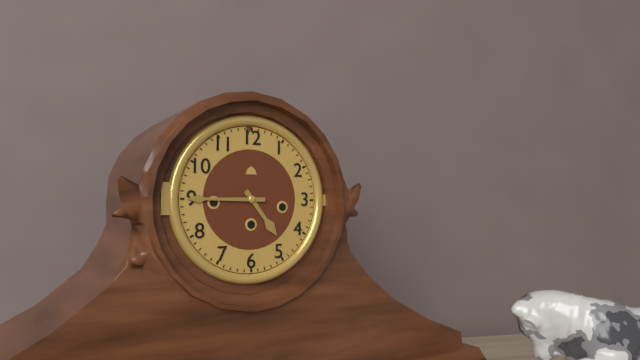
4h45
